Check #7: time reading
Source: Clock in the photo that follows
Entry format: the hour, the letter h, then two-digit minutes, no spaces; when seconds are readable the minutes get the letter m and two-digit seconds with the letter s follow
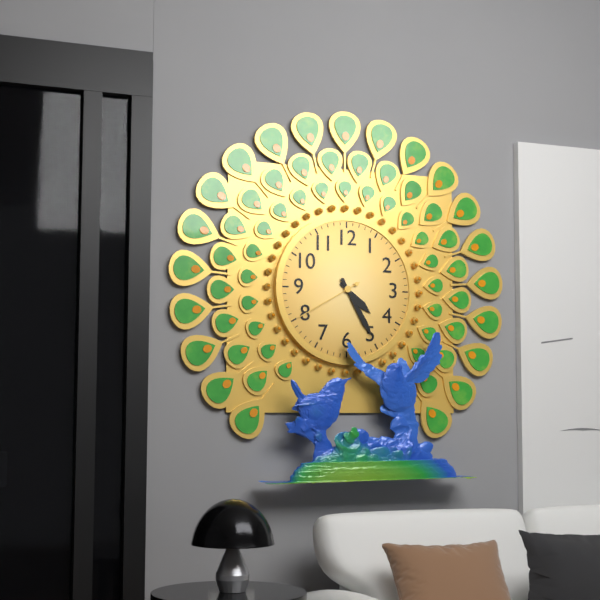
4h25m40s
